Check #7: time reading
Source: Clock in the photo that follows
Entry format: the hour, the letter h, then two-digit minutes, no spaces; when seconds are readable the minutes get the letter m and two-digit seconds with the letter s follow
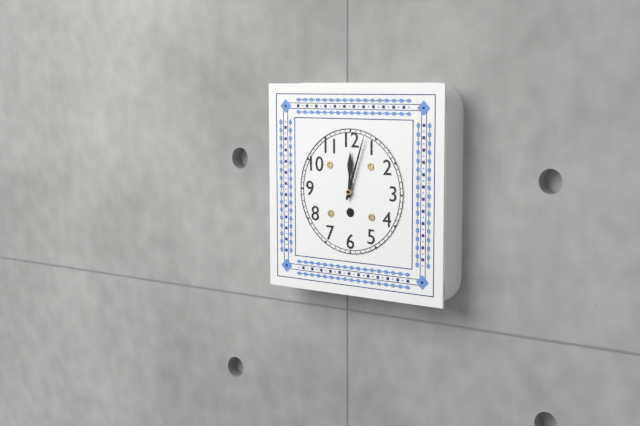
12h03
